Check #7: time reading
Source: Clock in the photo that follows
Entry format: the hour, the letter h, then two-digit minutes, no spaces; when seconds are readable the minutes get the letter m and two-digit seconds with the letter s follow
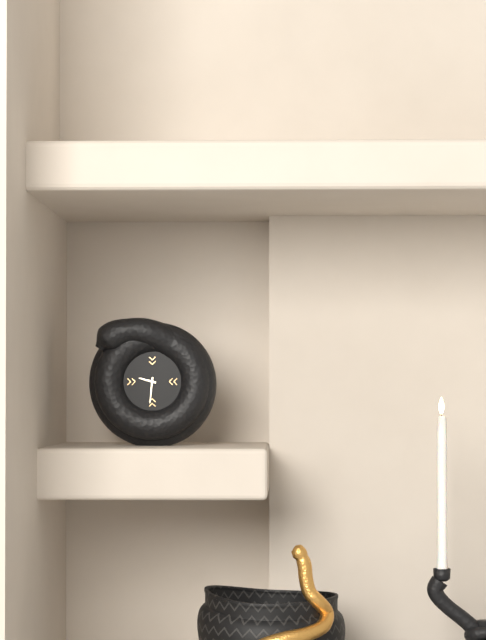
9h31
